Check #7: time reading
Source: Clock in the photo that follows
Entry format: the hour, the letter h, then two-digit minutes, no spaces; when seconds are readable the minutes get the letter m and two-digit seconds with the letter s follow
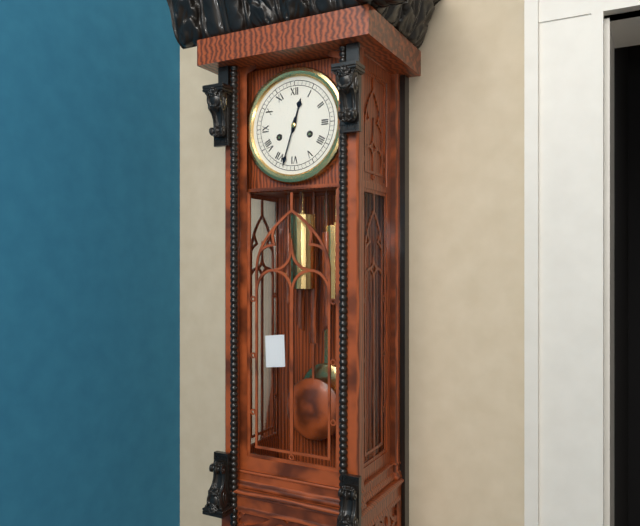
12h33
